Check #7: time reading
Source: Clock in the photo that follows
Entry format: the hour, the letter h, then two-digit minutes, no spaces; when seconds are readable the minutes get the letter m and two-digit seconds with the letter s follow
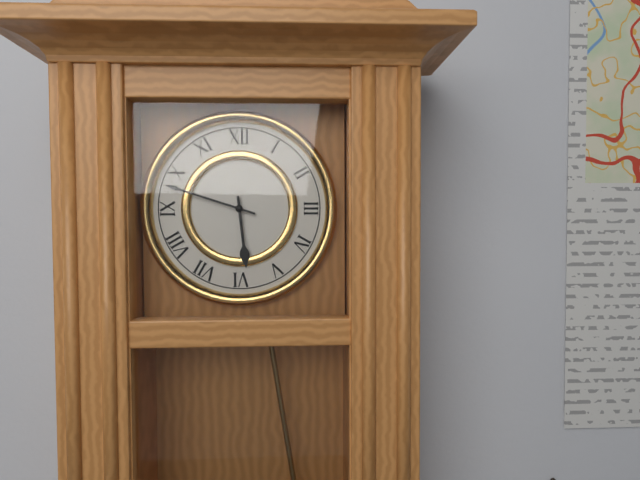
5h48
